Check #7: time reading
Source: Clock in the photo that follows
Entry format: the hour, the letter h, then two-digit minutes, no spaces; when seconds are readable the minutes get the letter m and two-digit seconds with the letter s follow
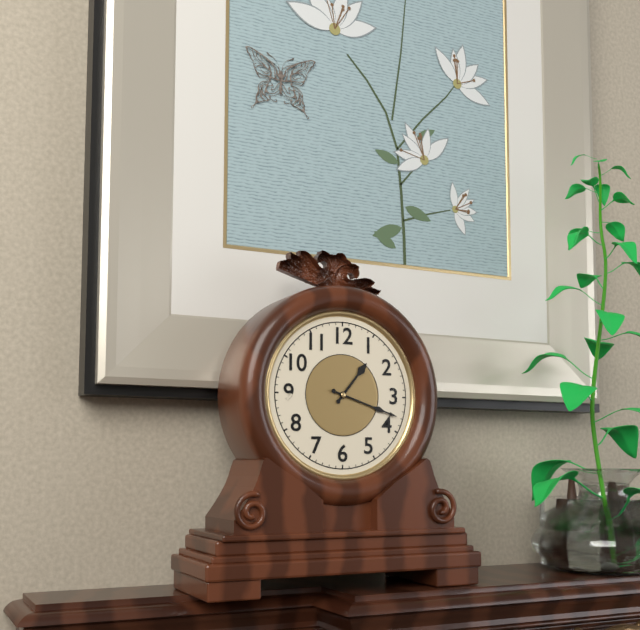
1h18
